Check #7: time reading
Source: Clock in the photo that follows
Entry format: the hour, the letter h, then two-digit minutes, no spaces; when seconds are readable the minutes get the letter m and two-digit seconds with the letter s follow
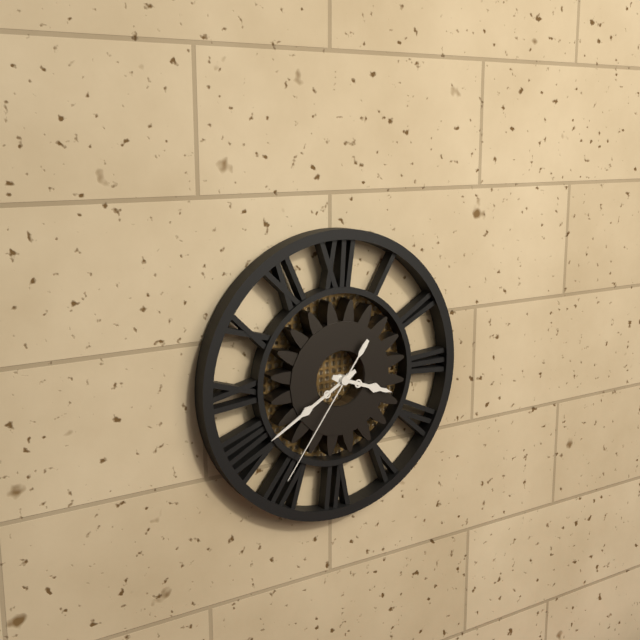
3h40m36s
